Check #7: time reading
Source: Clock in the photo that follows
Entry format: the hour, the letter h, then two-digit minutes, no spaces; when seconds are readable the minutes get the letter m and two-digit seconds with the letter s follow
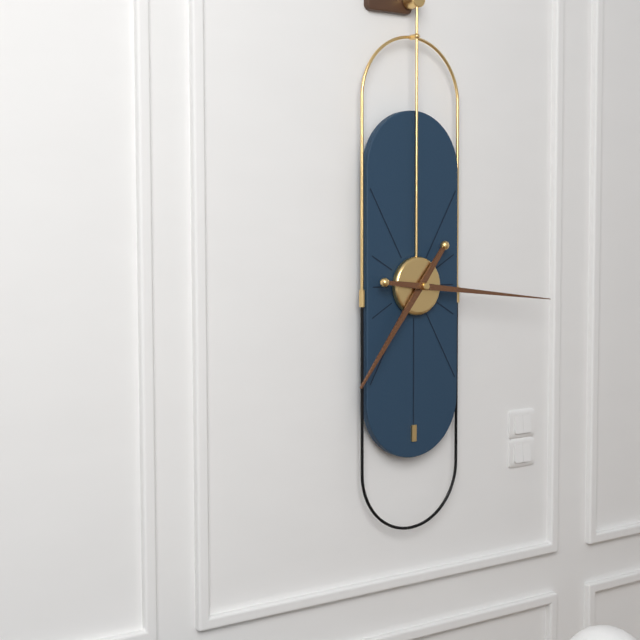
7h16
